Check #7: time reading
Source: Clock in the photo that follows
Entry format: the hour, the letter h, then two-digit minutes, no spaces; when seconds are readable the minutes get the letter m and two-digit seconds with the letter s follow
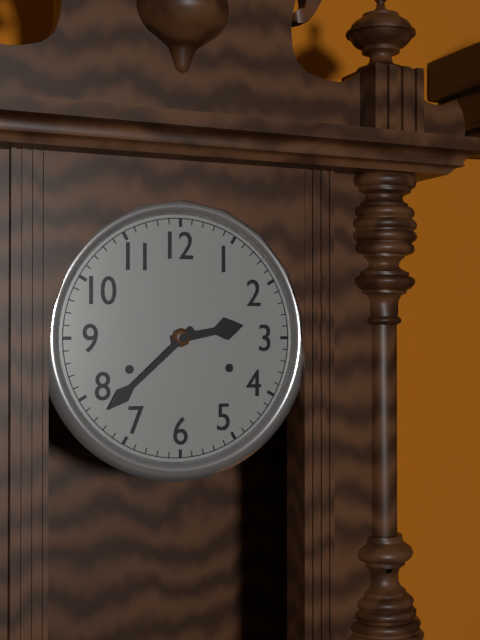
2h38
